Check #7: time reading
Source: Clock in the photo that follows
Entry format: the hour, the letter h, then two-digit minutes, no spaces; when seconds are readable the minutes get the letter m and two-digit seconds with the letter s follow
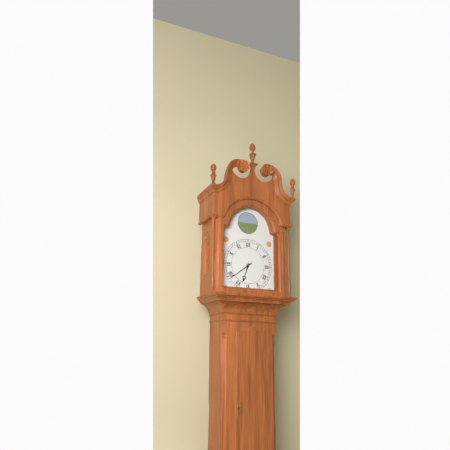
6h39
